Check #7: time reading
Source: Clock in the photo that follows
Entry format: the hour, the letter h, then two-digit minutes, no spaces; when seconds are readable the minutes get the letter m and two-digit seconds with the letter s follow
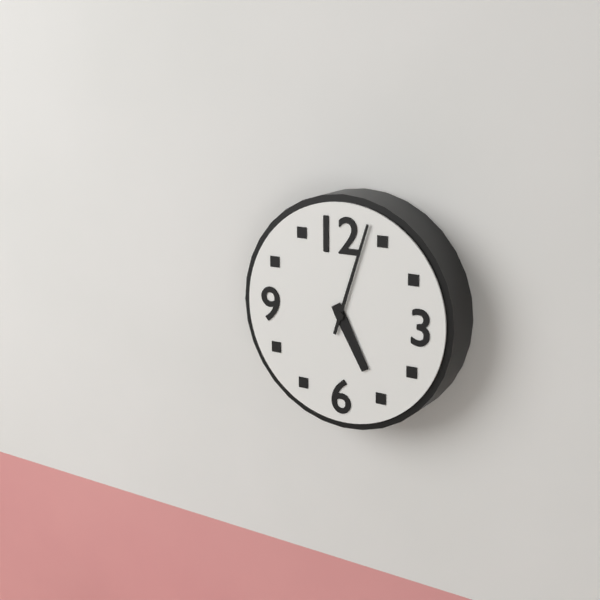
5h03
